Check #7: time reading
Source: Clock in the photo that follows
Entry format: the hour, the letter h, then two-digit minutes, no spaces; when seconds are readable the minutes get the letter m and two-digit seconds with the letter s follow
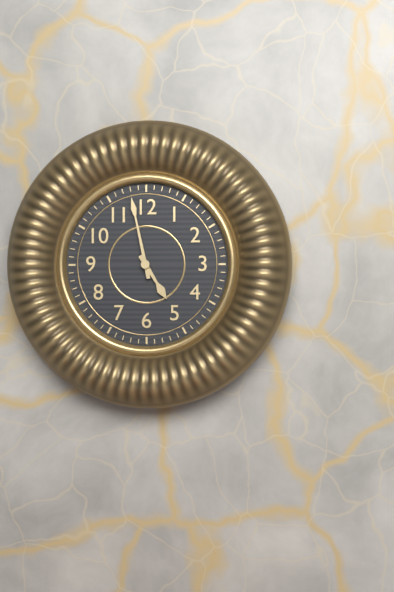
4h58
